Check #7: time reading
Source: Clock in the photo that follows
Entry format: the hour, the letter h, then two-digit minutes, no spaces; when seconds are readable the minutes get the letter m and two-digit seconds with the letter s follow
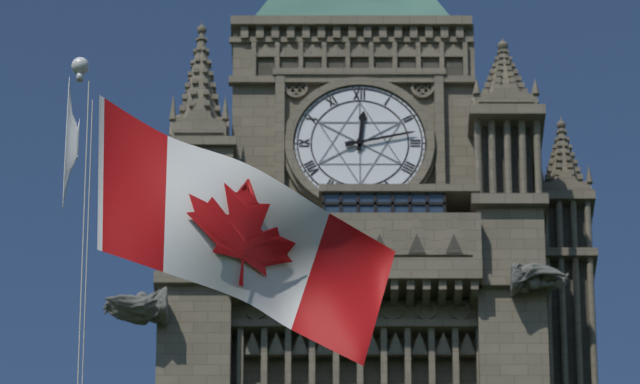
12h13
